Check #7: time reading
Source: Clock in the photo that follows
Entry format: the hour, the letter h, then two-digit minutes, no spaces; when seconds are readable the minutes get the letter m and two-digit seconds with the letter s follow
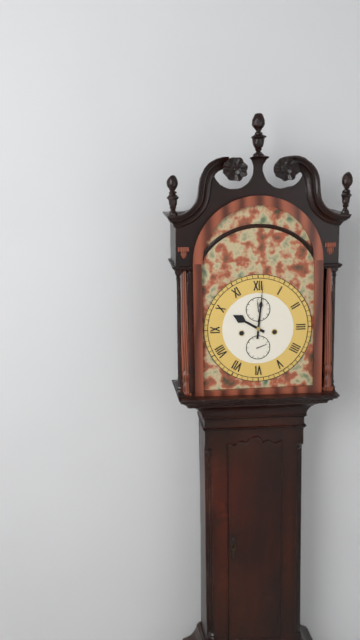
10h01
